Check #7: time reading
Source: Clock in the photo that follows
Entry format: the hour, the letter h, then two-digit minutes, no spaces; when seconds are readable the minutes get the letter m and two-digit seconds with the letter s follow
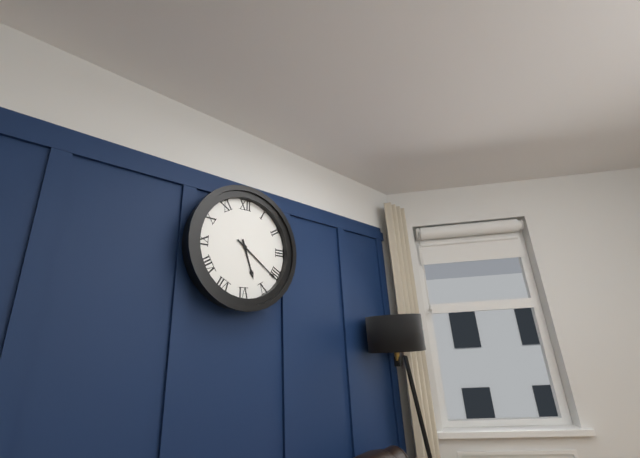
5h21
